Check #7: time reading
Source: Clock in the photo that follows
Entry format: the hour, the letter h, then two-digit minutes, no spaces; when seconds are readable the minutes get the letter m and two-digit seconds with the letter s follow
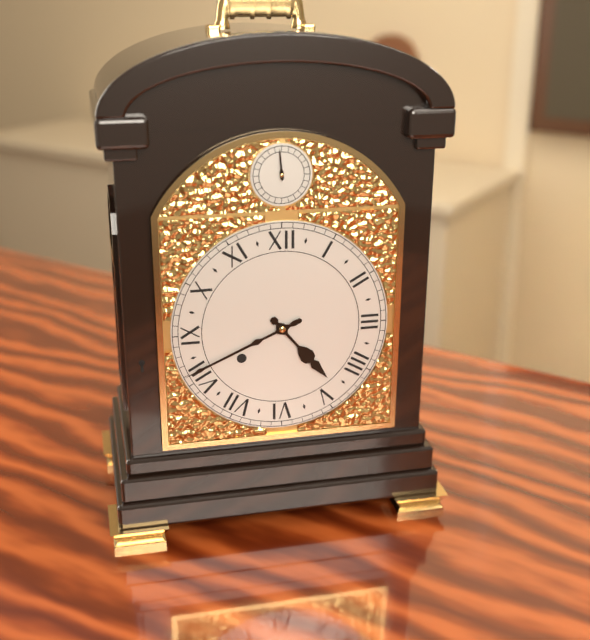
4h41
